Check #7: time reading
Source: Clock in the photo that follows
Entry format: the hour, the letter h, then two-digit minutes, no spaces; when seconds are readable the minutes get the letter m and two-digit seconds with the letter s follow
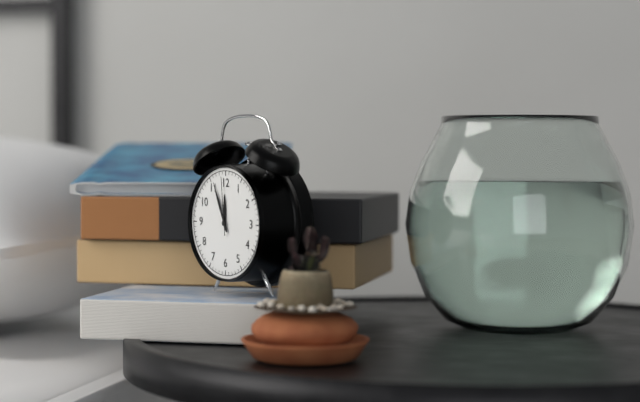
11h56m59s
